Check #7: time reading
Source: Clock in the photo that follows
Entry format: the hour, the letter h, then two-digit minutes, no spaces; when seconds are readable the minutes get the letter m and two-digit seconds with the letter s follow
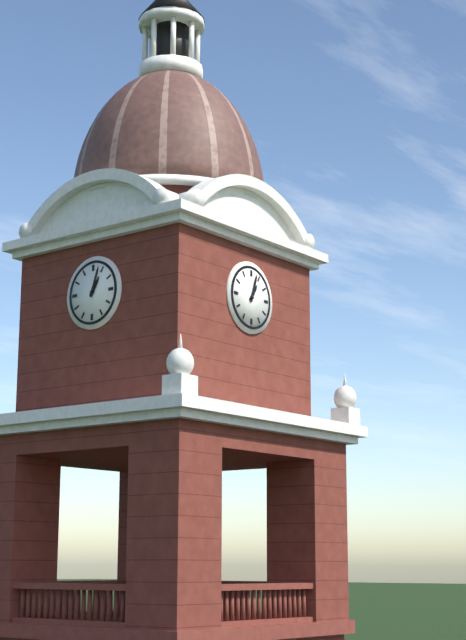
1h03
